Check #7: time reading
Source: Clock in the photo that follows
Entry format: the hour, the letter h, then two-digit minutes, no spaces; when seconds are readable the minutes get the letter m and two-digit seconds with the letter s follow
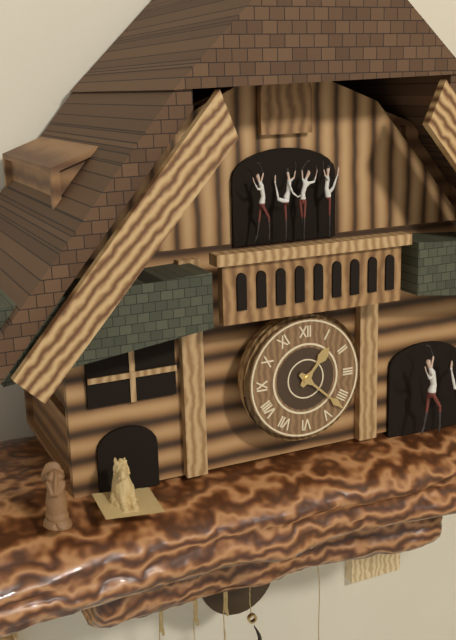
1h22
